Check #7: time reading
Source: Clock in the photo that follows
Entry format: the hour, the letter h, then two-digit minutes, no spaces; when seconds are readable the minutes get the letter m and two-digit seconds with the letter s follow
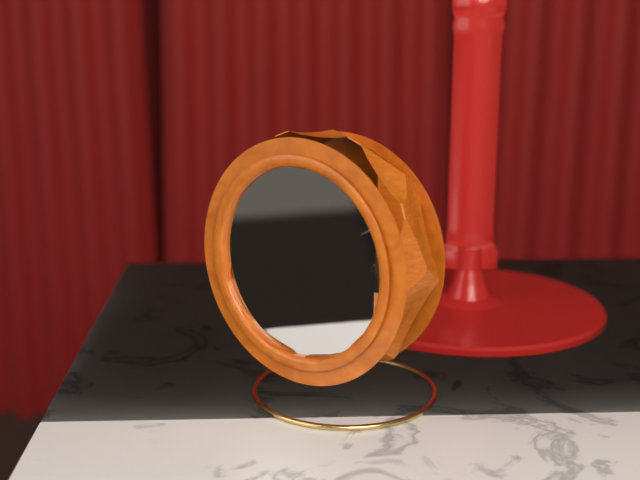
8h55m43s
